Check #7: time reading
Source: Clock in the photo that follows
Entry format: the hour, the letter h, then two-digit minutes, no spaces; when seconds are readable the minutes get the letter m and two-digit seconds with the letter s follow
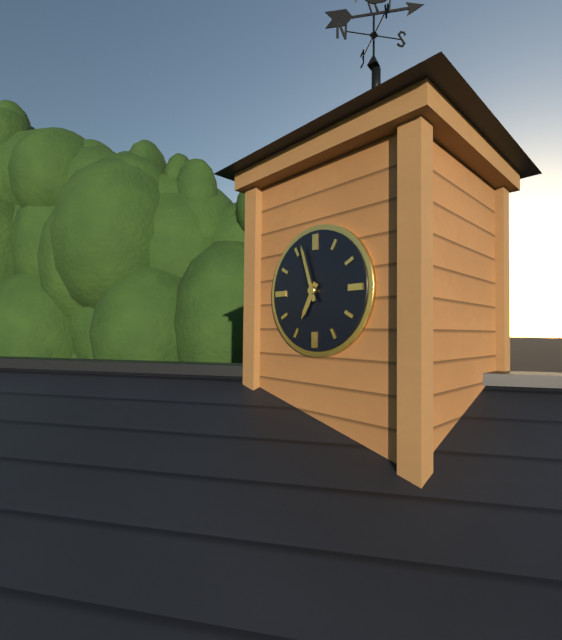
6h57
